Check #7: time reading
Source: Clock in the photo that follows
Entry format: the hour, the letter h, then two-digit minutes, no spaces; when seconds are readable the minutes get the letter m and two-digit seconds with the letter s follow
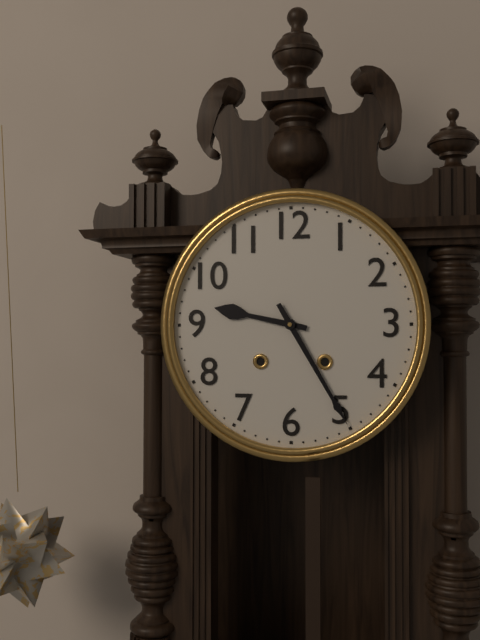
9h25
